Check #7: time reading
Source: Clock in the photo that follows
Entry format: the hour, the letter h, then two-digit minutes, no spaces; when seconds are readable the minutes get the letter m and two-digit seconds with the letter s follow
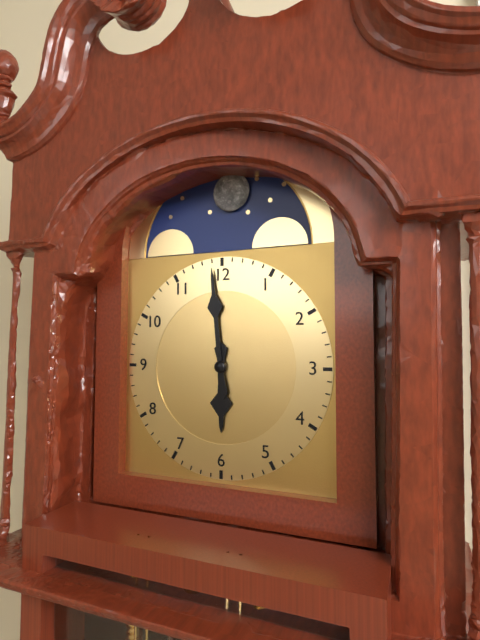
5h59
